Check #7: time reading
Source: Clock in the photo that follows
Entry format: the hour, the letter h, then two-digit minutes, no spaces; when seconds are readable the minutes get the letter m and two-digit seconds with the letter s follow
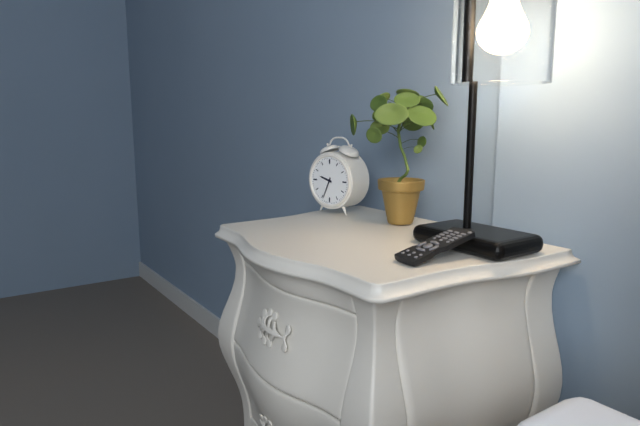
9h34
